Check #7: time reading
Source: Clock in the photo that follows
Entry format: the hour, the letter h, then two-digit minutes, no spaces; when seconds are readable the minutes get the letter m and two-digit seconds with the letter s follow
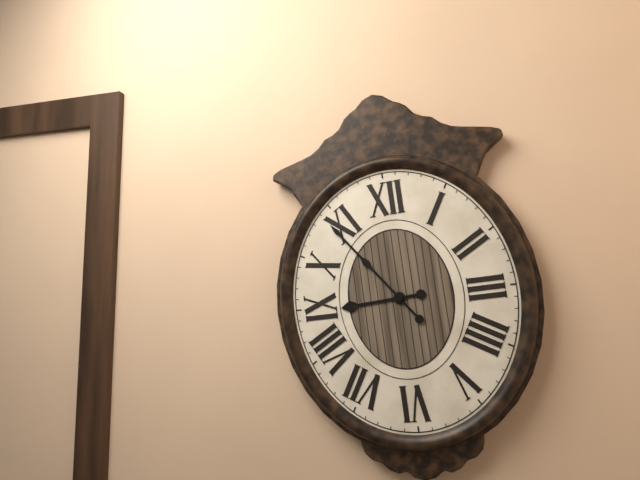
8h54
